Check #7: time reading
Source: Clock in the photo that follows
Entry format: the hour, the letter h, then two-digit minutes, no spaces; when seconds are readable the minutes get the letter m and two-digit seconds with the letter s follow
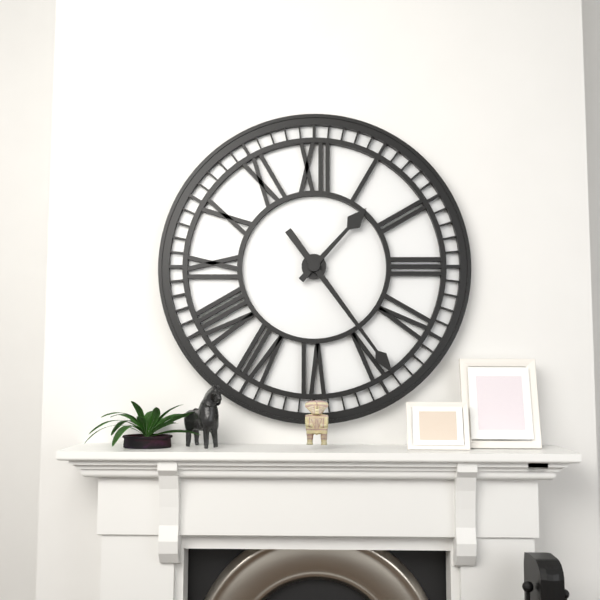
1h24
